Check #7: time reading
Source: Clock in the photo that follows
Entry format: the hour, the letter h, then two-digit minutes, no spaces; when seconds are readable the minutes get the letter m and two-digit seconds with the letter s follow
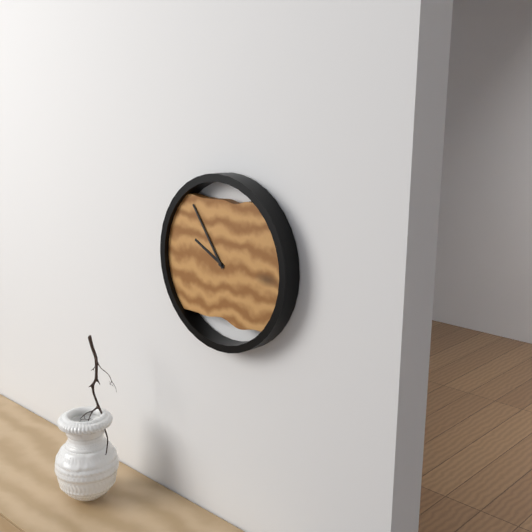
9h54
